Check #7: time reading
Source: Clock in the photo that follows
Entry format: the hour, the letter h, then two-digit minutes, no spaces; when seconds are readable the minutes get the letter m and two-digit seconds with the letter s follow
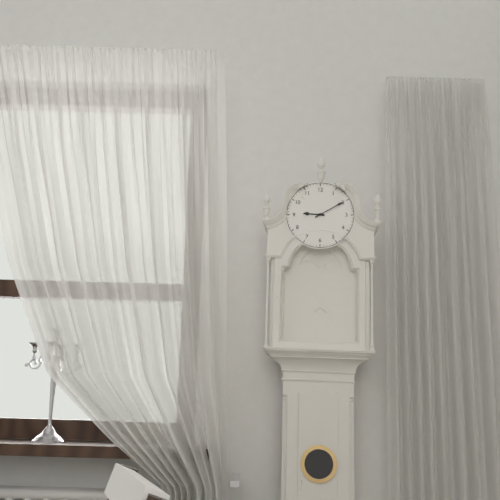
9h10
